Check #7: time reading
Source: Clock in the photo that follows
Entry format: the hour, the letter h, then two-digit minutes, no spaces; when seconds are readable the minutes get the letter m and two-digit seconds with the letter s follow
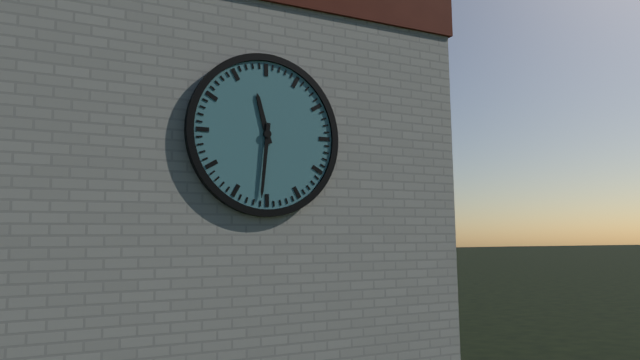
11h31
